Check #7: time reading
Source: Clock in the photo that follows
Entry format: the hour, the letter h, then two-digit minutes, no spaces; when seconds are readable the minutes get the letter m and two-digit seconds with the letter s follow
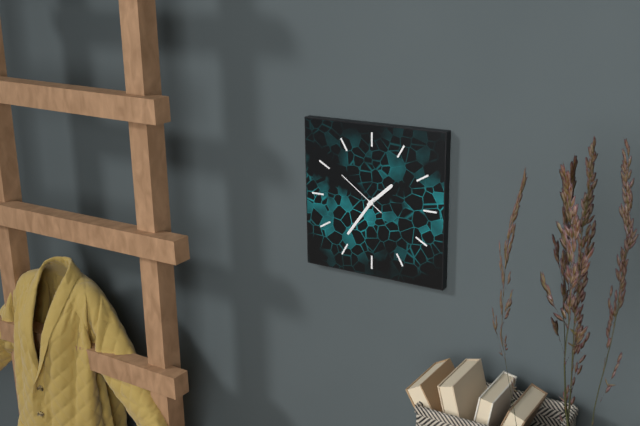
1h36m51s
